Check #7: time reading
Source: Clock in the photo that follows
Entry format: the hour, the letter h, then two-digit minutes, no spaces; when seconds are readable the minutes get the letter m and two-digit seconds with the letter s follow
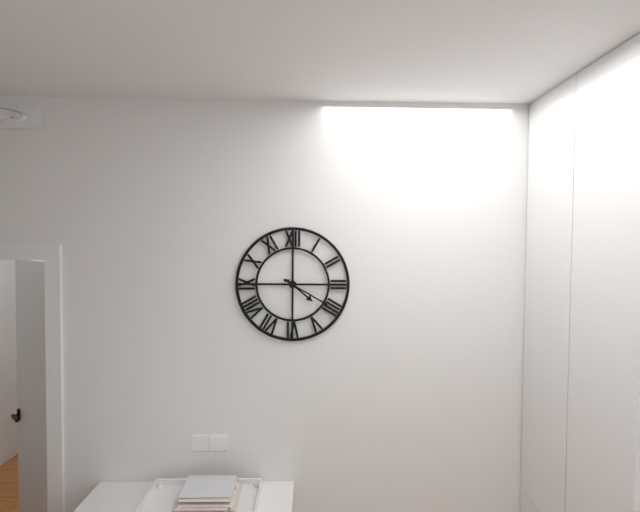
4h20
